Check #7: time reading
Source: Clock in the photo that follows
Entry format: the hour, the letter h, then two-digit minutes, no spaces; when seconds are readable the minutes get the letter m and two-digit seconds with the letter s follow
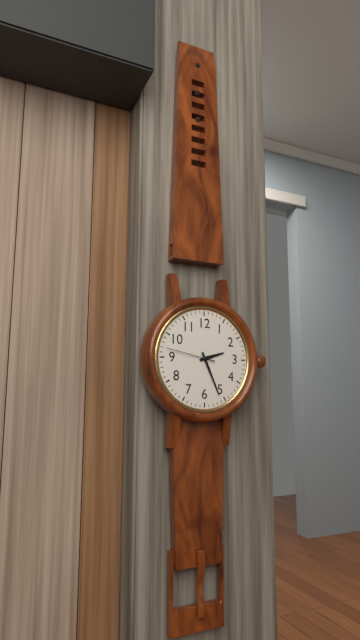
2h26
